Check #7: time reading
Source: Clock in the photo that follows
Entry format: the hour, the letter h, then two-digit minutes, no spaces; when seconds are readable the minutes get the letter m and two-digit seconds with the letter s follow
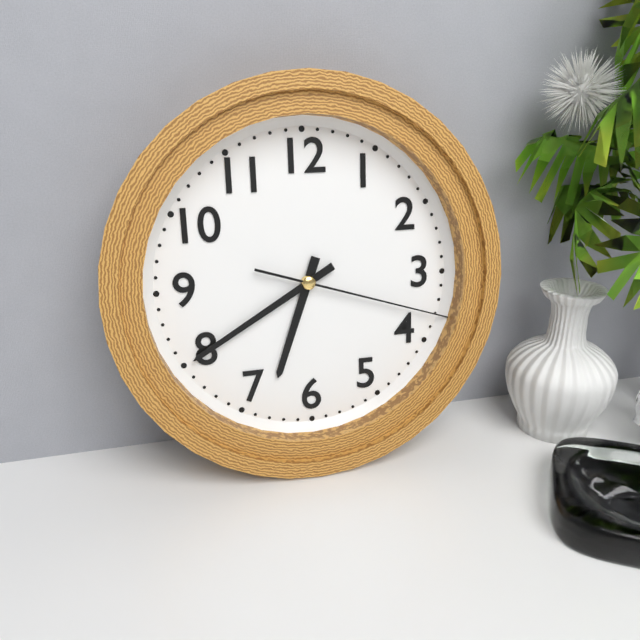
6h40m18s
